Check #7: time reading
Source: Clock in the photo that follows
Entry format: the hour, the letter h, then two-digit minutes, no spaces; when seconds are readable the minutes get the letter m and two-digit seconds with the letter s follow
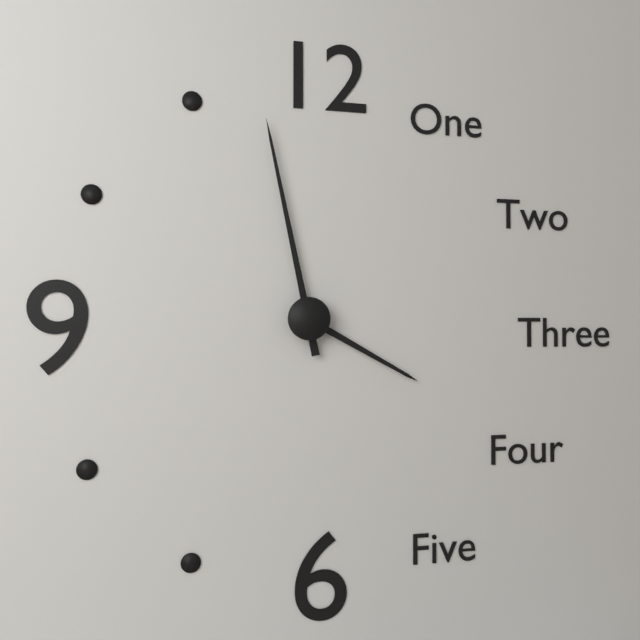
3h58
